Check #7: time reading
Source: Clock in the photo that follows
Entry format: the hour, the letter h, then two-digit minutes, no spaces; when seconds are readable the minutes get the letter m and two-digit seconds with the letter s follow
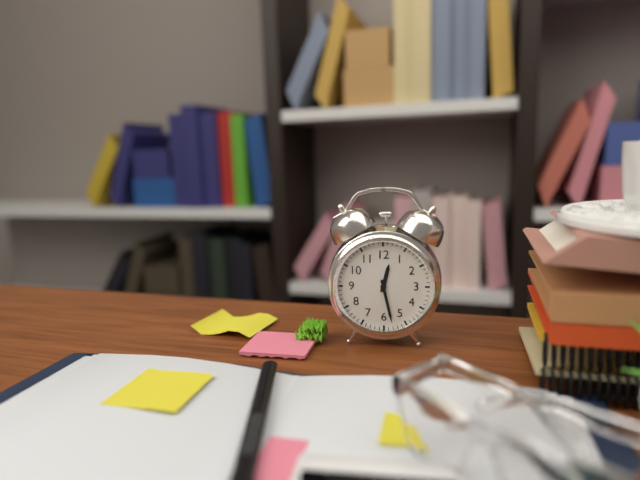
12h28
